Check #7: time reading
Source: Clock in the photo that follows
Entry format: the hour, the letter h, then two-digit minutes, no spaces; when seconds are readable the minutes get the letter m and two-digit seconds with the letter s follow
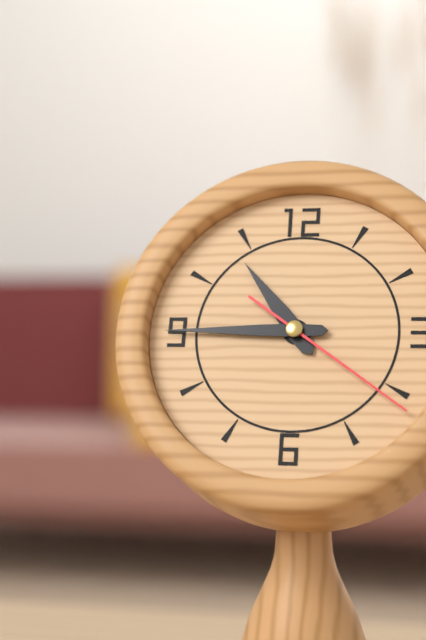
10h45m21s
